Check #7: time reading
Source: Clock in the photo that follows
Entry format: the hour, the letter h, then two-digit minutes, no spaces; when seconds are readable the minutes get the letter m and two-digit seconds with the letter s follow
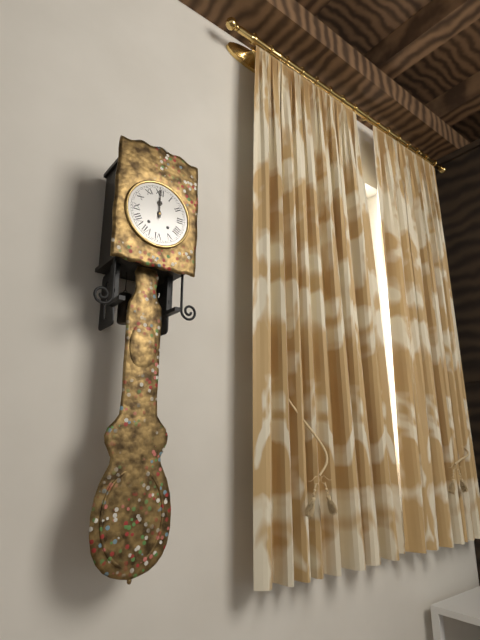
12h00
